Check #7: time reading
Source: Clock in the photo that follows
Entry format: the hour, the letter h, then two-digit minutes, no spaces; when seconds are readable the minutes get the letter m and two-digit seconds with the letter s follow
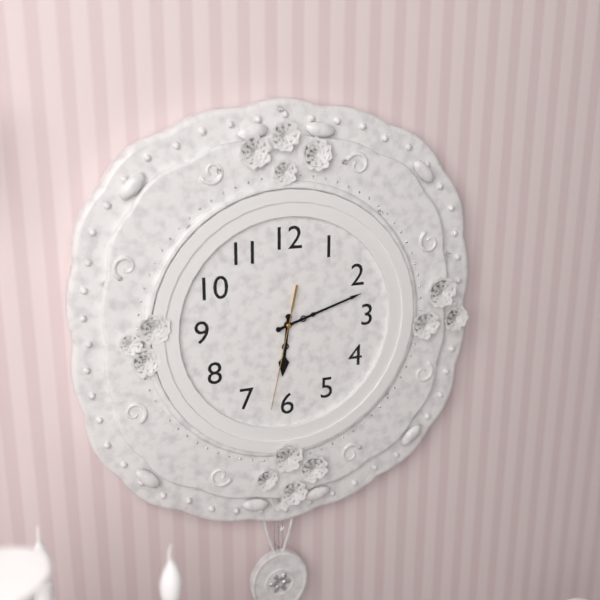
6h12m32s
